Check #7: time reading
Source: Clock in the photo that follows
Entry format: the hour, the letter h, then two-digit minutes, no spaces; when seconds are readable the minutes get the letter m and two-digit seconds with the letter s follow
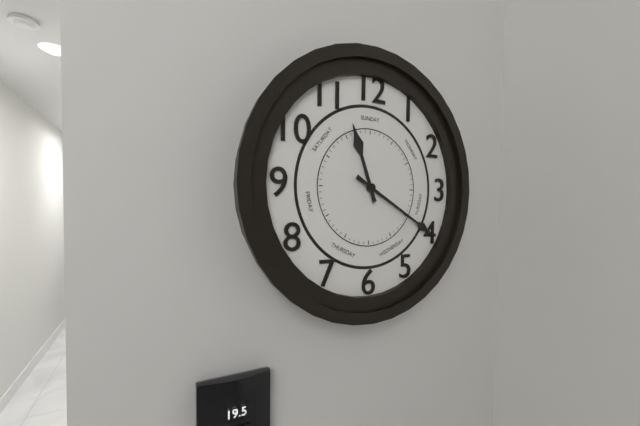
11h20
